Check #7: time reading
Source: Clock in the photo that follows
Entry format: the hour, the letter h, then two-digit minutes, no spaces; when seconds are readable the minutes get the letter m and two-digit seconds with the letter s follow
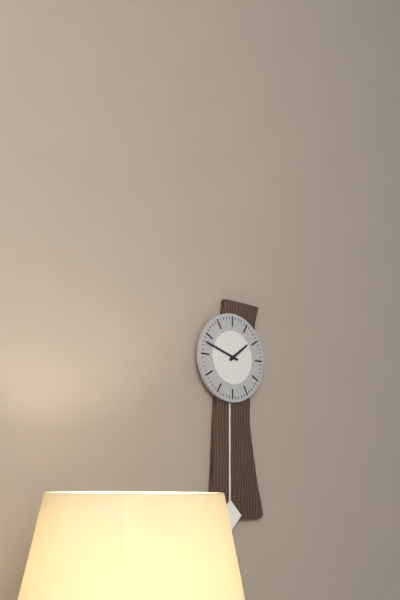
1h48
